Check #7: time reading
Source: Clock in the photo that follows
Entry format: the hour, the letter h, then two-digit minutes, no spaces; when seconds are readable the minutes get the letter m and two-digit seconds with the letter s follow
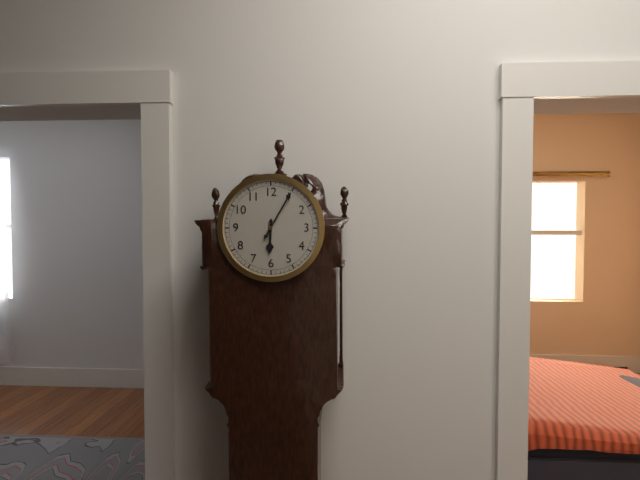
6h05
